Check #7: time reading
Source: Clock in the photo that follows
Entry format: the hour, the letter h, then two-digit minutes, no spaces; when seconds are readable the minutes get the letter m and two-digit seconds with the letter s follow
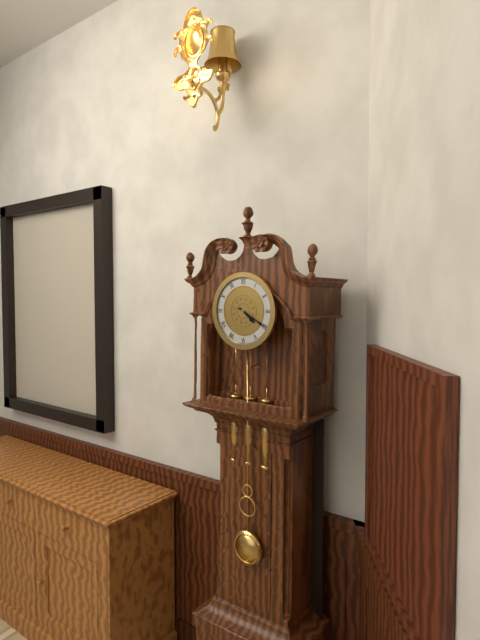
4h20
